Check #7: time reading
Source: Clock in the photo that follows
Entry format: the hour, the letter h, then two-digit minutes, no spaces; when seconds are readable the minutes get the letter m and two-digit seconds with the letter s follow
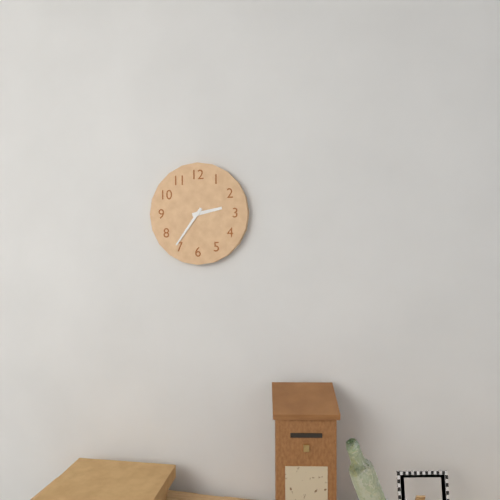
2h36
